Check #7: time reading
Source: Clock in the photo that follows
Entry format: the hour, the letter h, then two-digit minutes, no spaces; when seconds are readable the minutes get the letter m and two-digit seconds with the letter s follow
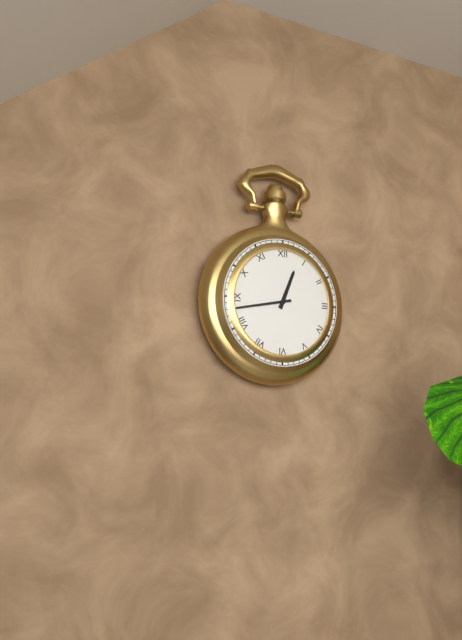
12h43
